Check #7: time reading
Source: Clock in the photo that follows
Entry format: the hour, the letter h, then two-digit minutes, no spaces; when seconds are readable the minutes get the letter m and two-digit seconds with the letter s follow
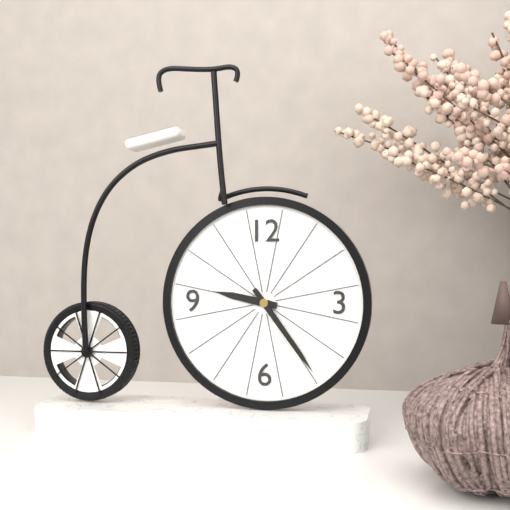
9h24
